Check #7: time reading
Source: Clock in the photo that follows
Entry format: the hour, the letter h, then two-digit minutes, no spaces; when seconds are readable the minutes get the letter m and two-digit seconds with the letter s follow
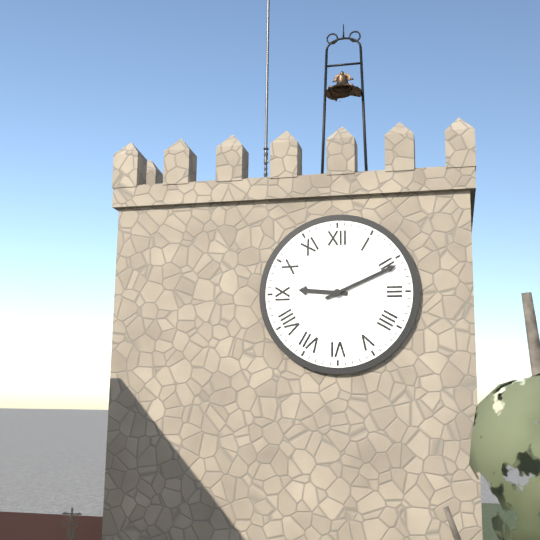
9h11
